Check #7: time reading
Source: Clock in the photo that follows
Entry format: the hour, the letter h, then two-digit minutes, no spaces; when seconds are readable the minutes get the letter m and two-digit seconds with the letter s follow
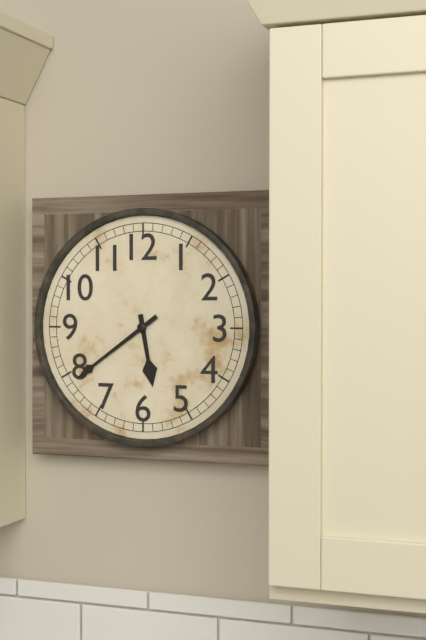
5h39
